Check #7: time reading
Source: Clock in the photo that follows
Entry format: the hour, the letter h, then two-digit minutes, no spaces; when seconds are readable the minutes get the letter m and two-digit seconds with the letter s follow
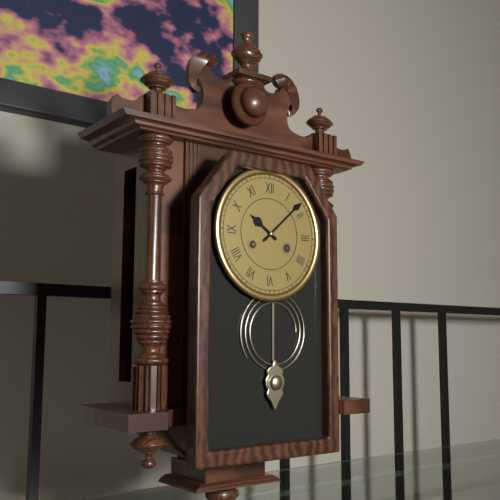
10h08
